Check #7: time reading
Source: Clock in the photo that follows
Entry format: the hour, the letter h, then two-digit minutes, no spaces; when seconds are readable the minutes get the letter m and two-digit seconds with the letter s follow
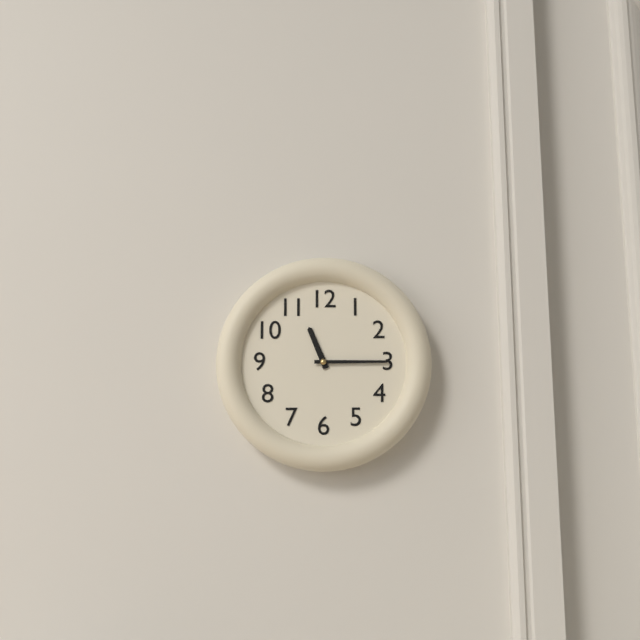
11h15
